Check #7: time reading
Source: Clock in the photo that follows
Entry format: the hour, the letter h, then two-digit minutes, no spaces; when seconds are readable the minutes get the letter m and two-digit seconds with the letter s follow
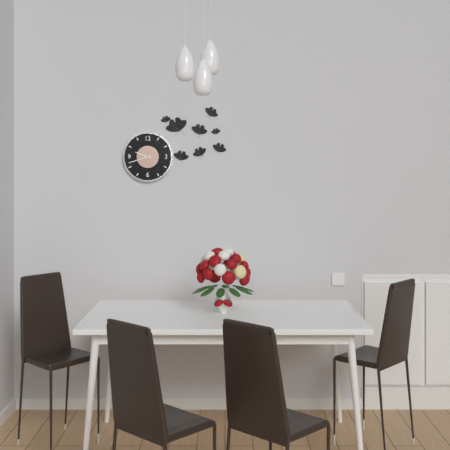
9h42
